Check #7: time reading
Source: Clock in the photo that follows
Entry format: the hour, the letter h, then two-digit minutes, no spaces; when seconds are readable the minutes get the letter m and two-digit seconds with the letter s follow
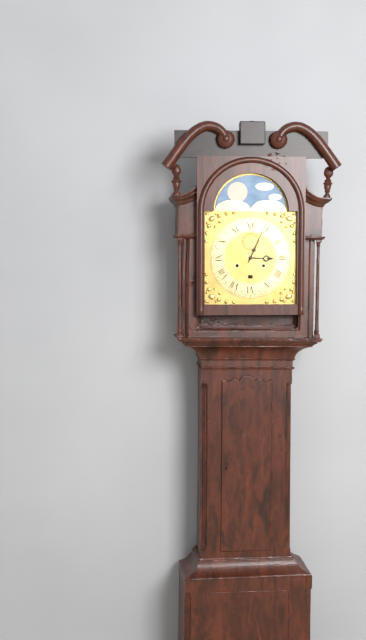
3h04
